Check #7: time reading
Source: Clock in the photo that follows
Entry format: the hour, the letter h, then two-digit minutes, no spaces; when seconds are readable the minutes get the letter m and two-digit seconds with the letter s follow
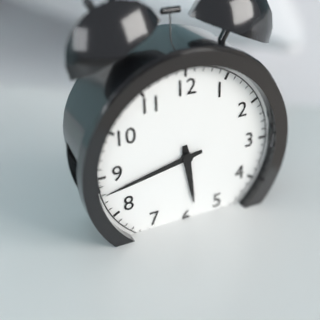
5h43
